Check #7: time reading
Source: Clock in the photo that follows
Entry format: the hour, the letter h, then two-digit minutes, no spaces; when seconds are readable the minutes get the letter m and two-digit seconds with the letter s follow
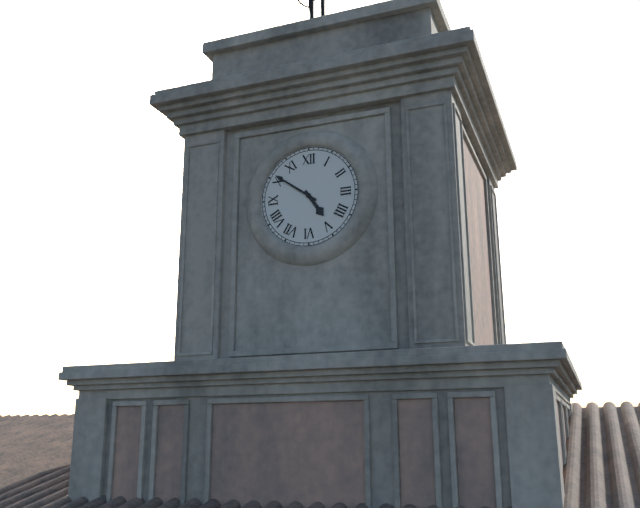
4h51
